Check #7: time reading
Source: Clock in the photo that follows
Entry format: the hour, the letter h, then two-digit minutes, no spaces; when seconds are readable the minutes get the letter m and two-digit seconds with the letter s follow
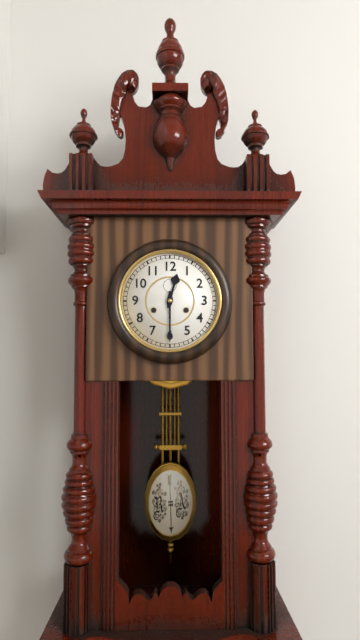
12h30
